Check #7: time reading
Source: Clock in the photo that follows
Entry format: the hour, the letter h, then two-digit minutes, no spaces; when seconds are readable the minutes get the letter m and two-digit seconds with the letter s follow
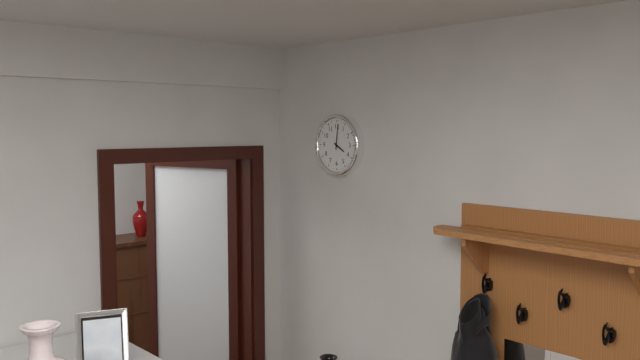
4h01
